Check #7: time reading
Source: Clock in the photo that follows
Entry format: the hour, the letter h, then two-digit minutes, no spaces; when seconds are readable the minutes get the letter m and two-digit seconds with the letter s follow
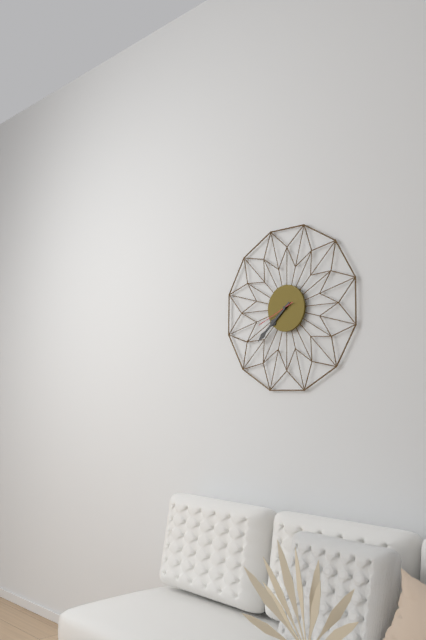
7h38
